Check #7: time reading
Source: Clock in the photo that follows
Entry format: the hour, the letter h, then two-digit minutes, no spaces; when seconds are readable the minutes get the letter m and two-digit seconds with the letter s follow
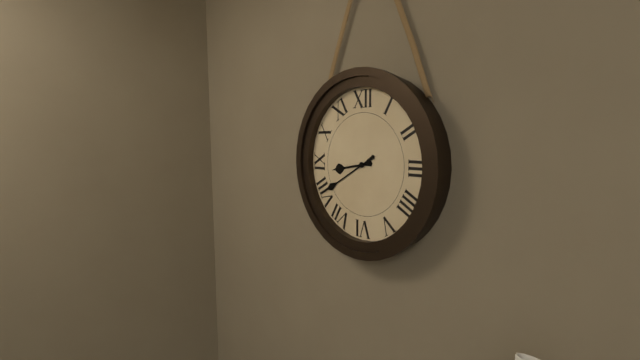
8h40
